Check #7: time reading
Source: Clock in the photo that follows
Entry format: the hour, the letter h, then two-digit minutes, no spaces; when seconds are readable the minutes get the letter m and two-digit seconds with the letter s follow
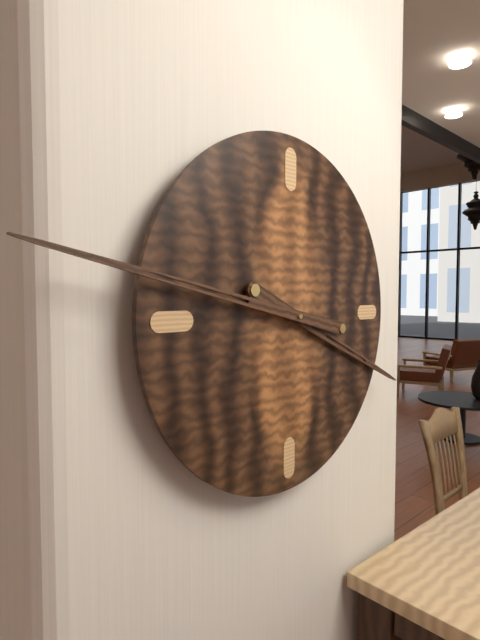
3h47
